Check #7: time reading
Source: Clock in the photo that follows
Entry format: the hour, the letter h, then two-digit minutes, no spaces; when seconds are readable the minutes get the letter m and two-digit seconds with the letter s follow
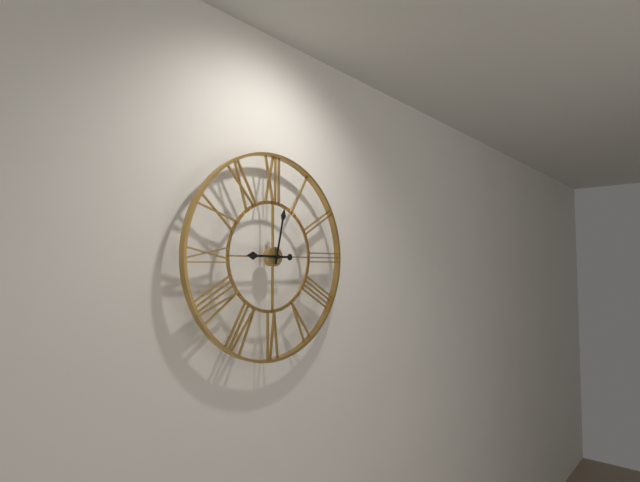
9h02
